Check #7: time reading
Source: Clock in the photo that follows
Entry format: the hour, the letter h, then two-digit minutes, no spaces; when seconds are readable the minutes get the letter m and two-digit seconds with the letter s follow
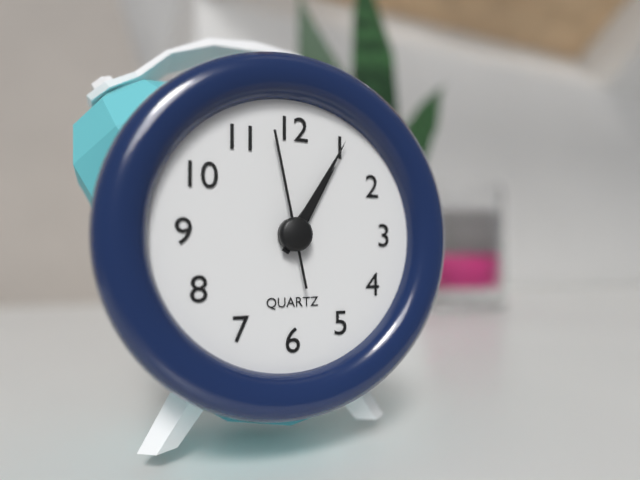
1h05m58s
